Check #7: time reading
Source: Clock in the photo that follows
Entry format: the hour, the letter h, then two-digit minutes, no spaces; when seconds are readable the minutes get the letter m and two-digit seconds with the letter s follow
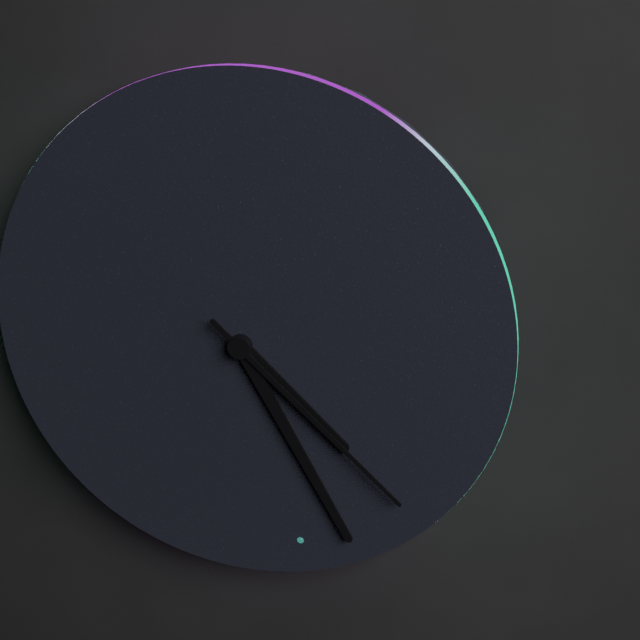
4h25m22s
